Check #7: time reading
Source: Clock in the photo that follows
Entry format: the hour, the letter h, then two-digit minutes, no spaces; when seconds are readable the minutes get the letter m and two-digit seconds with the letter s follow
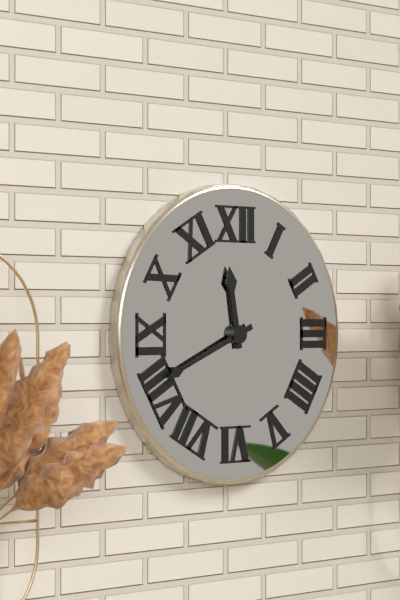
11h41
